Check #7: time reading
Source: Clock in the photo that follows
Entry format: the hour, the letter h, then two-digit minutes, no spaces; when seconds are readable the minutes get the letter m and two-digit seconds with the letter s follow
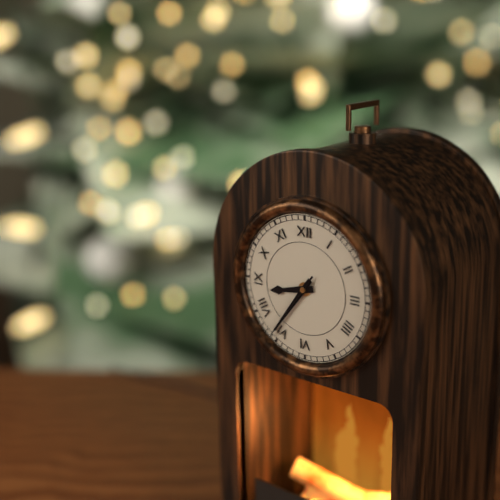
8h36m36s
